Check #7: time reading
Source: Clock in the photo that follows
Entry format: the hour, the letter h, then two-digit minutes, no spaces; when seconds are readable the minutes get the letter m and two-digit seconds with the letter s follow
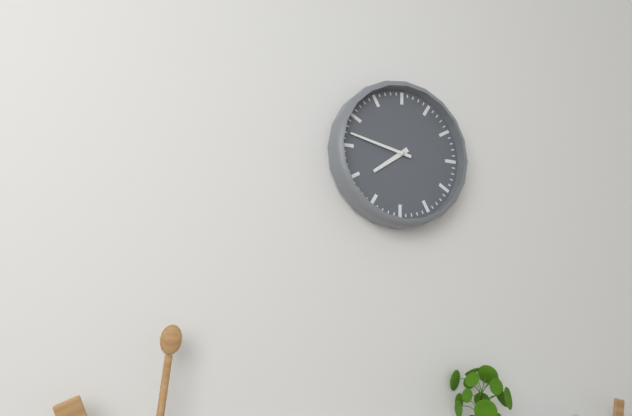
7h47
